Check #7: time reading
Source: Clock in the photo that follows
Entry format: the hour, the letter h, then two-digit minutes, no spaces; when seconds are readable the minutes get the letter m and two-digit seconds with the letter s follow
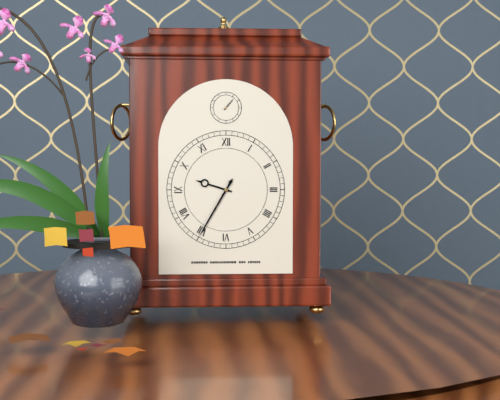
9h35
